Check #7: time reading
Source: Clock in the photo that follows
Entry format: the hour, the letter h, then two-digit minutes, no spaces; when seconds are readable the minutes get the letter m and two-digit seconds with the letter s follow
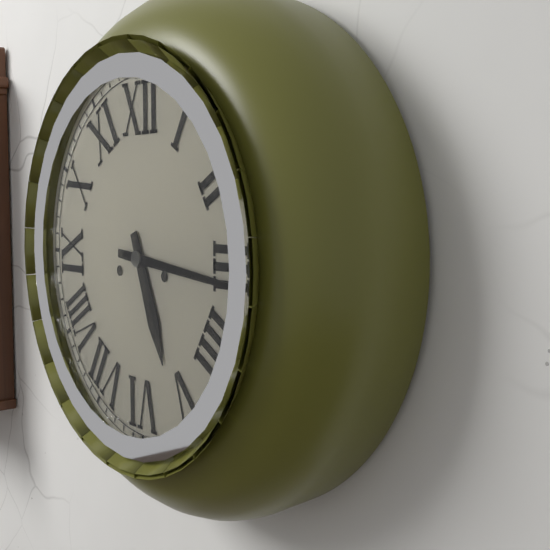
5h16
